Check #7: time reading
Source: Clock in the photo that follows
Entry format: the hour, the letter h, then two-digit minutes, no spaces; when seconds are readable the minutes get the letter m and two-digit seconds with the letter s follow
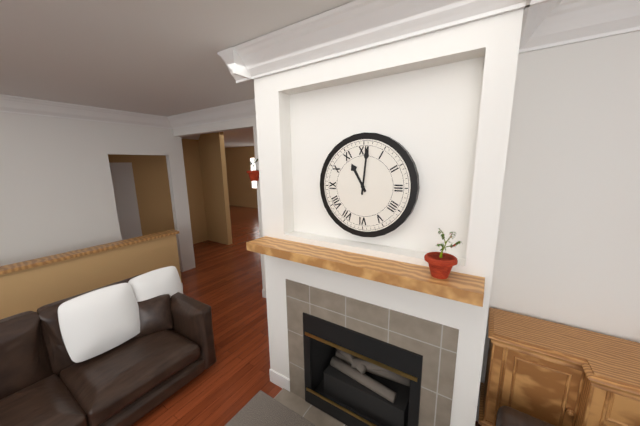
11h01
